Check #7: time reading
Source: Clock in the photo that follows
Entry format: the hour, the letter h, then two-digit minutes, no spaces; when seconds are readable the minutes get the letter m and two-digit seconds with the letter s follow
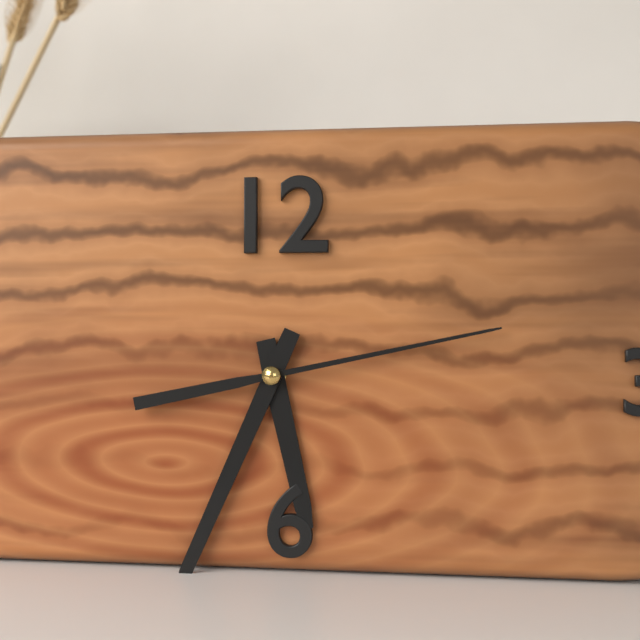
5h34m13s
